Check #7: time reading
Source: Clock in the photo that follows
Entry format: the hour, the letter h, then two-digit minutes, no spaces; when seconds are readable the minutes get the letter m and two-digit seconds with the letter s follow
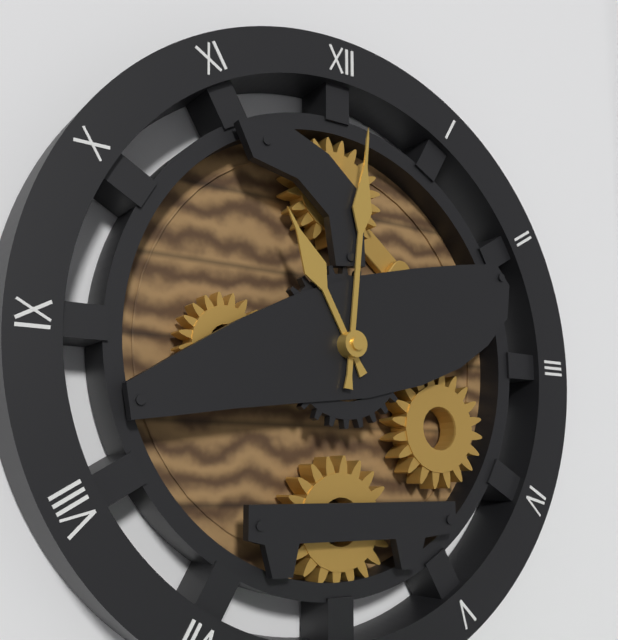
11h01
